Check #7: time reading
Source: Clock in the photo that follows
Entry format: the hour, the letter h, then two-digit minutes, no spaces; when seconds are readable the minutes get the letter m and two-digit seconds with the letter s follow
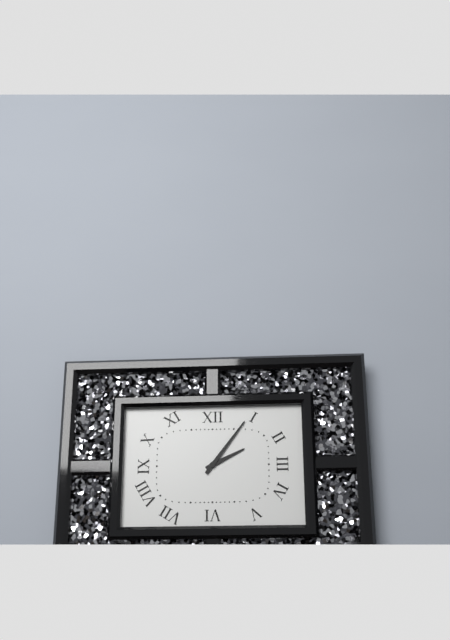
2h06
